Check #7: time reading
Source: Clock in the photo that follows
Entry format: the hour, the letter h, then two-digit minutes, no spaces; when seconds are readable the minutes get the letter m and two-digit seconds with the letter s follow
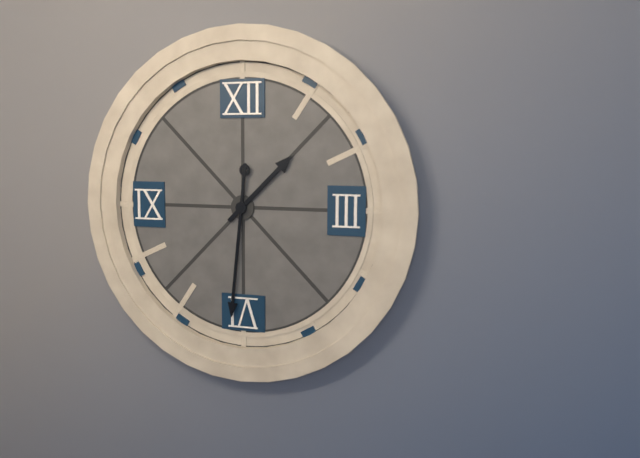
1h31
